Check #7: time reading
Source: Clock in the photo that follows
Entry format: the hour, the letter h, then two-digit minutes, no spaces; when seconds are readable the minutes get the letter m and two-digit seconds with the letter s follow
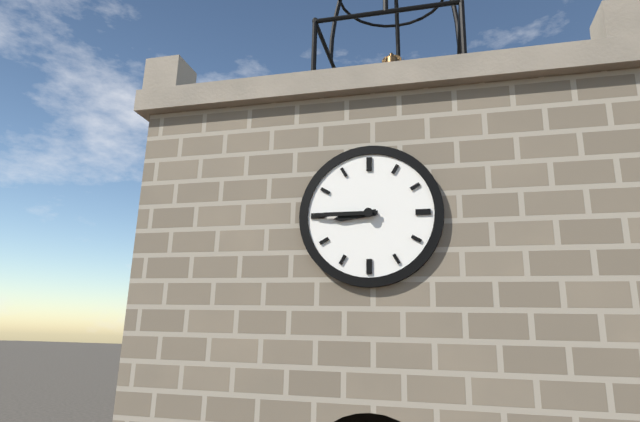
8h45
